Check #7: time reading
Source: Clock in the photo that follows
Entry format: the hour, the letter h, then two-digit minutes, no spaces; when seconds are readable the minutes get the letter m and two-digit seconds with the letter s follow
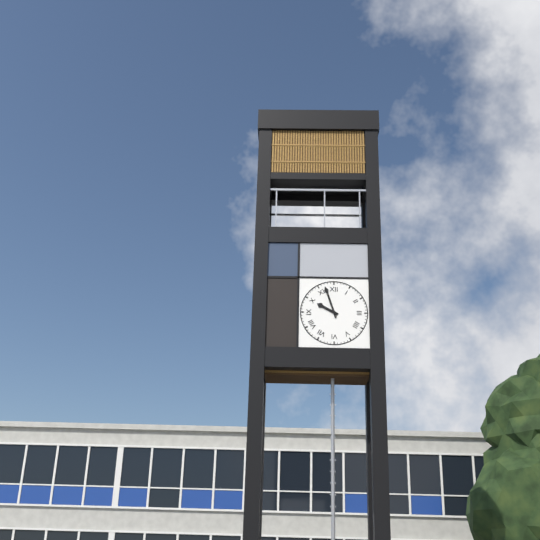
9h57
